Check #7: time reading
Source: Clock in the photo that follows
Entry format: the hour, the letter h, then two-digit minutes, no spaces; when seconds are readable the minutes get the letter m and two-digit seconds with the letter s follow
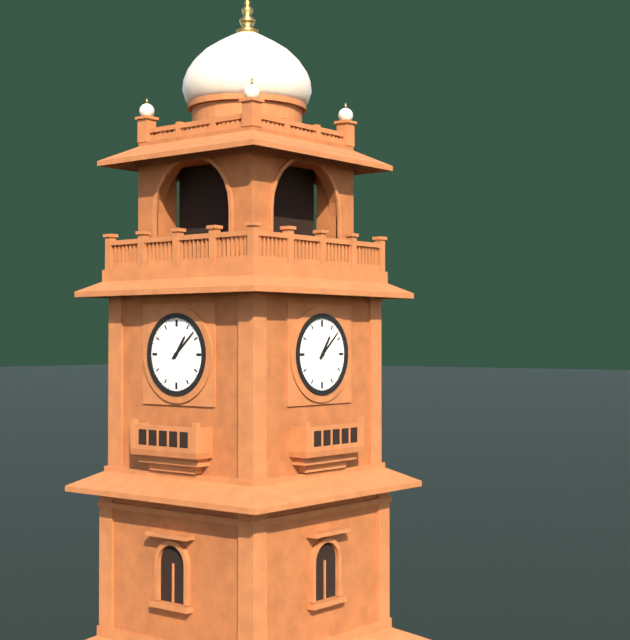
1h08
